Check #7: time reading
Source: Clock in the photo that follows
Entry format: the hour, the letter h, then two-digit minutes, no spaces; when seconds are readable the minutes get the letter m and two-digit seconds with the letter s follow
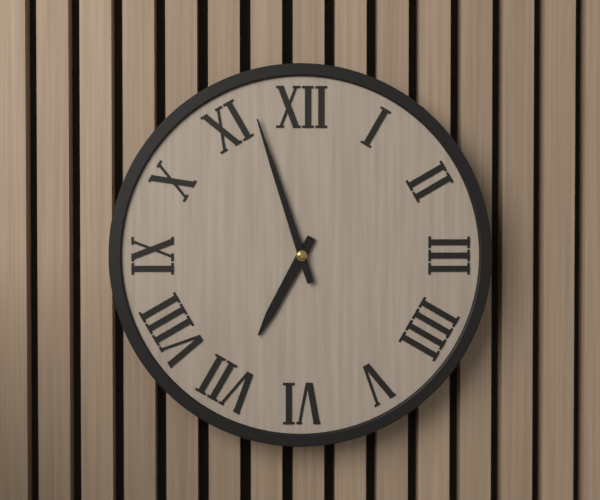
6h57
